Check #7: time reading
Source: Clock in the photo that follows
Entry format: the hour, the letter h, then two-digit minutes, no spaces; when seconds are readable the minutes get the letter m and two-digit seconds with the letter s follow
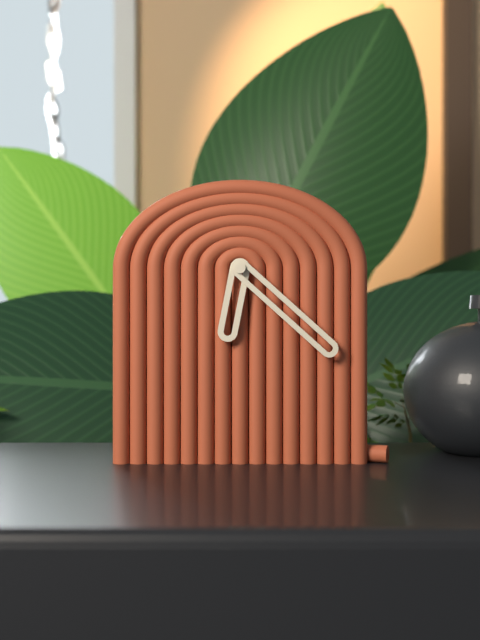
6h22
